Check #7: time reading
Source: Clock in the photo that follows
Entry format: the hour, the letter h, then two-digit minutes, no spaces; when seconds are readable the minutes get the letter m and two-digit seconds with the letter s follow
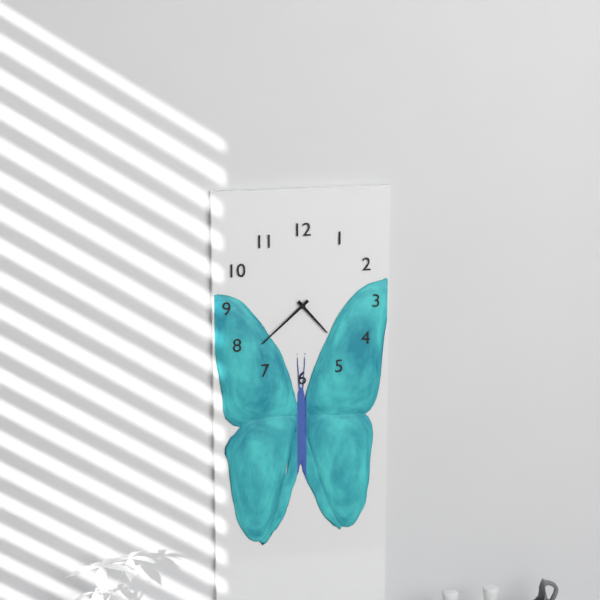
4h38
